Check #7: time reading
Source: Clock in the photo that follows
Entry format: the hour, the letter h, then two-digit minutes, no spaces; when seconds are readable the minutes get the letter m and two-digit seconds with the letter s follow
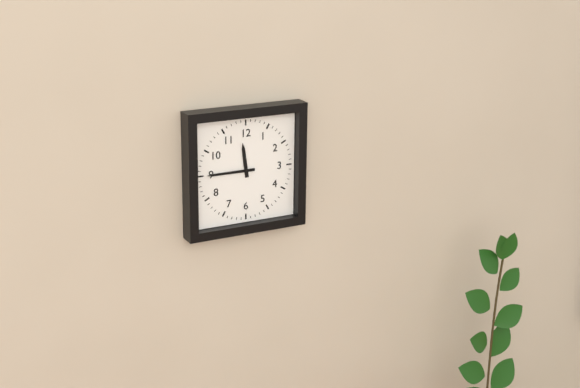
11h45
